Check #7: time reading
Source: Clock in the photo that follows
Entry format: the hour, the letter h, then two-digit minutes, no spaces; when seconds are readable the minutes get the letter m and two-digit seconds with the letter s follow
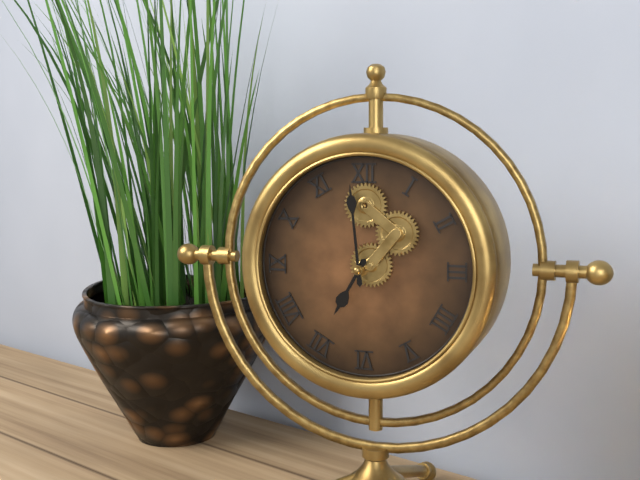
6h59
